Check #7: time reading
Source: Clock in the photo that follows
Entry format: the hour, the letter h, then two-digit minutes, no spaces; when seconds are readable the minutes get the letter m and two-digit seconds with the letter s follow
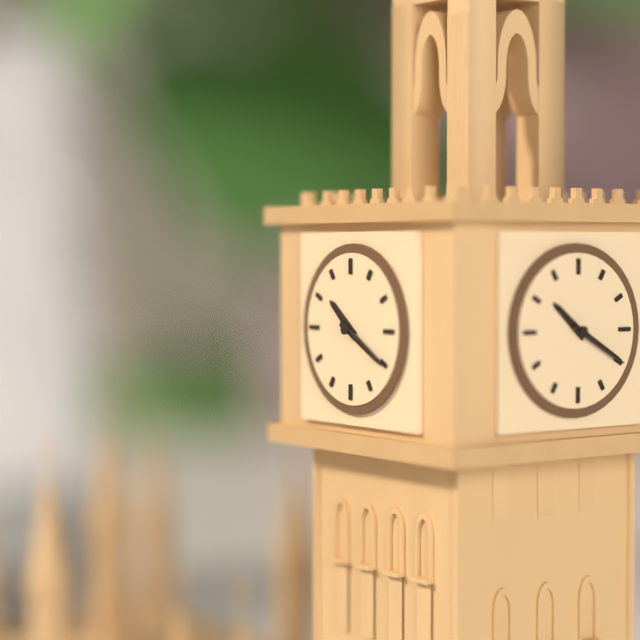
10h20
